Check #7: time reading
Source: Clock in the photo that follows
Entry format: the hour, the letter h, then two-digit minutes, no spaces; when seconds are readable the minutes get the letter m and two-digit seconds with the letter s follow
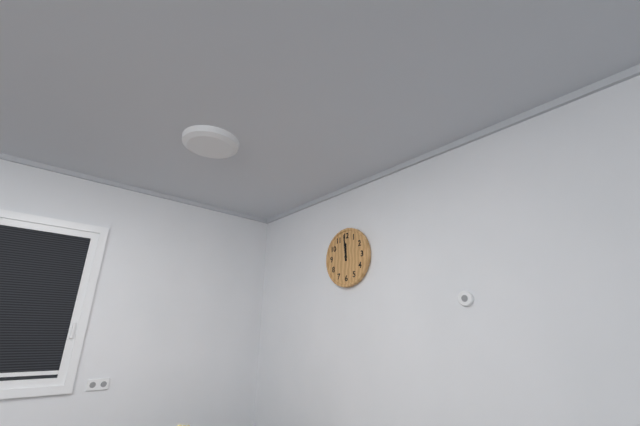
11h59
